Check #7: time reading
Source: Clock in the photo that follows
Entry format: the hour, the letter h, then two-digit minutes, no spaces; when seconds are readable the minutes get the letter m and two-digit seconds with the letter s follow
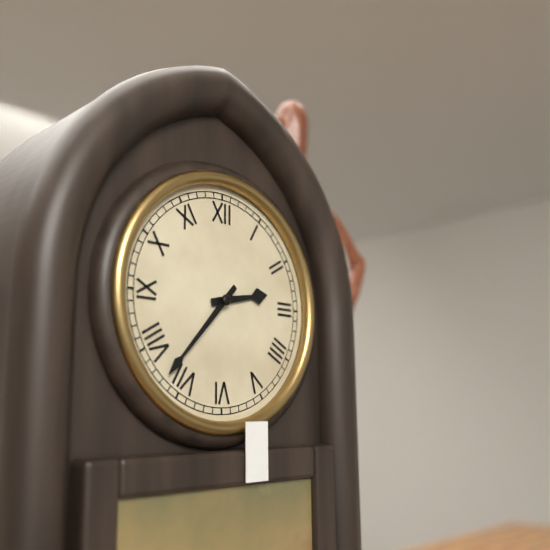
2h37
